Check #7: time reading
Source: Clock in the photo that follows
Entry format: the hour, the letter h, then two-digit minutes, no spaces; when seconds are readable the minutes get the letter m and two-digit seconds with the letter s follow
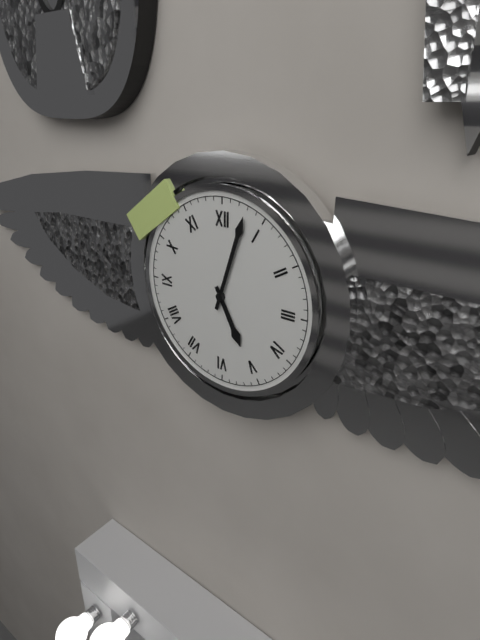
5h03
